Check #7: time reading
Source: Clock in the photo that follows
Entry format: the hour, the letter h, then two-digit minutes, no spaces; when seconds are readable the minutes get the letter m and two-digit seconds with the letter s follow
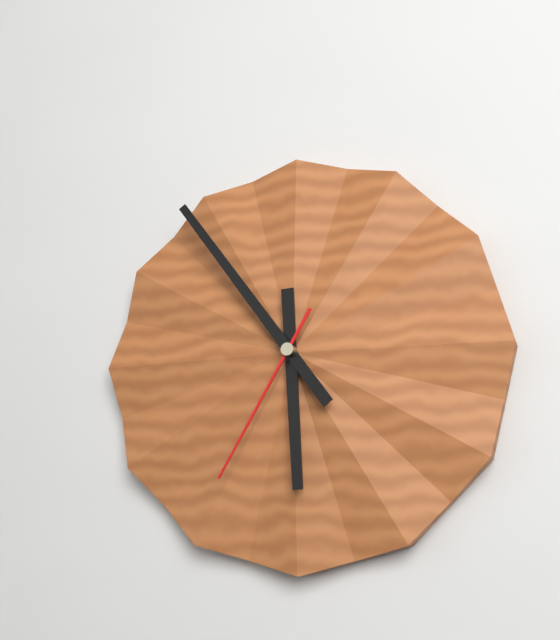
5h54m35s
